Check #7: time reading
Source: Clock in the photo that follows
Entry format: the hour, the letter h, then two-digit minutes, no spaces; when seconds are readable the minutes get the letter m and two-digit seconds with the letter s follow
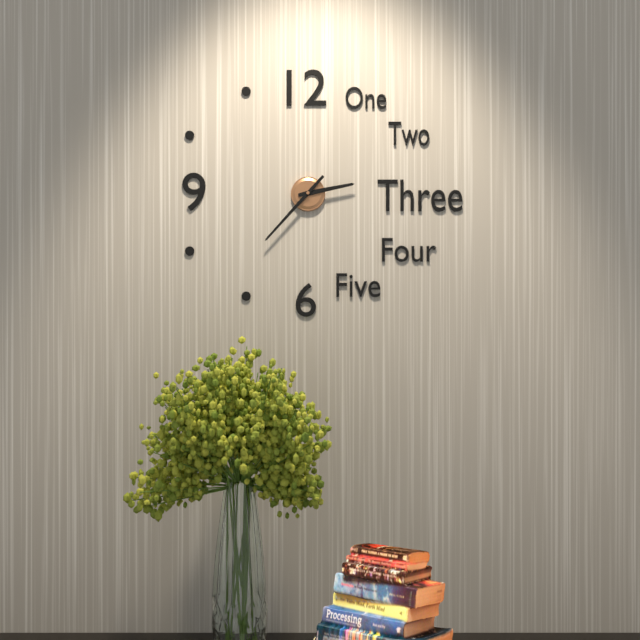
2h37
